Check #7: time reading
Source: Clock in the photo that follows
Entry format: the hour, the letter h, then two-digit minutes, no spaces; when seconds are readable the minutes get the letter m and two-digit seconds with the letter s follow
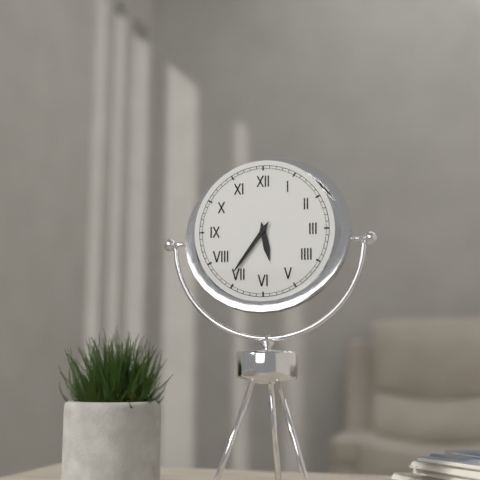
5h36
